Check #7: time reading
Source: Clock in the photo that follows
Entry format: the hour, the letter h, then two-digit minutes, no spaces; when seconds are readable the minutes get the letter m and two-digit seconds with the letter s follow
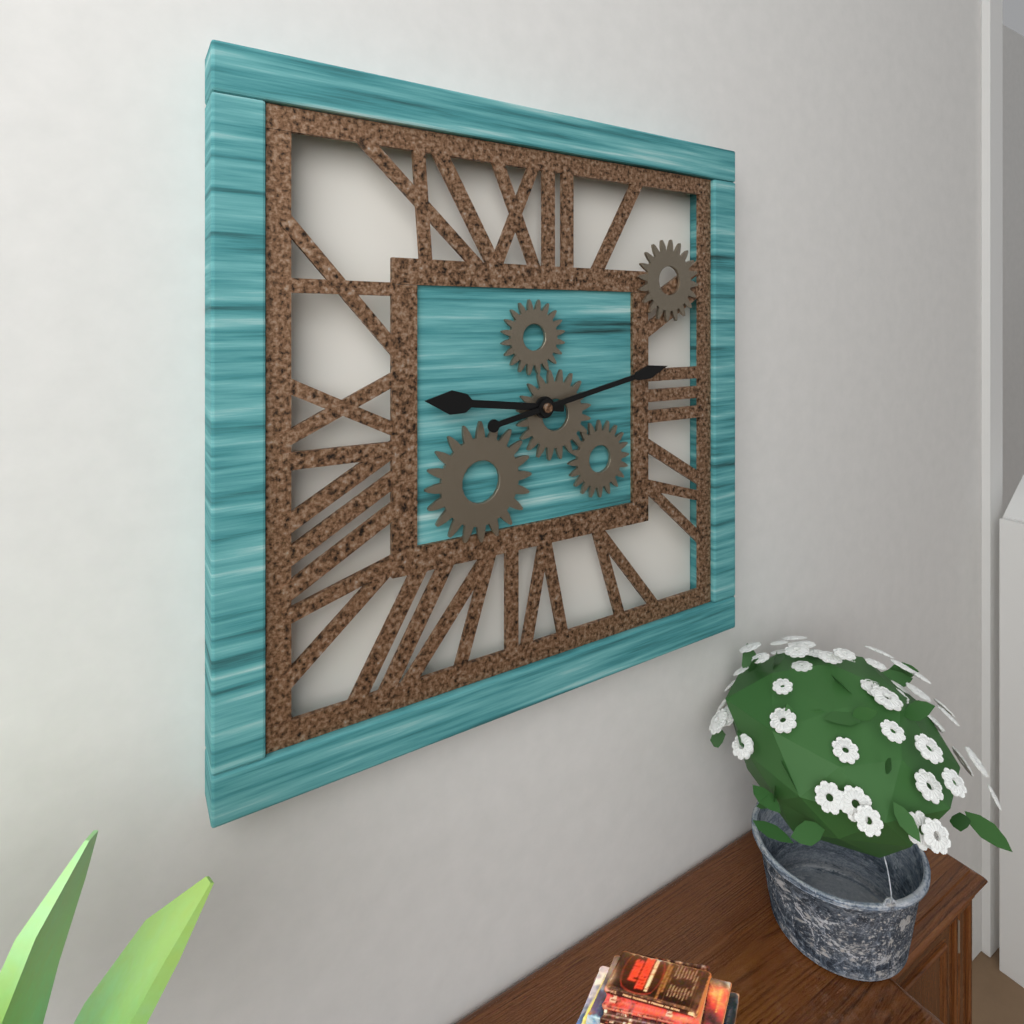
9h13
